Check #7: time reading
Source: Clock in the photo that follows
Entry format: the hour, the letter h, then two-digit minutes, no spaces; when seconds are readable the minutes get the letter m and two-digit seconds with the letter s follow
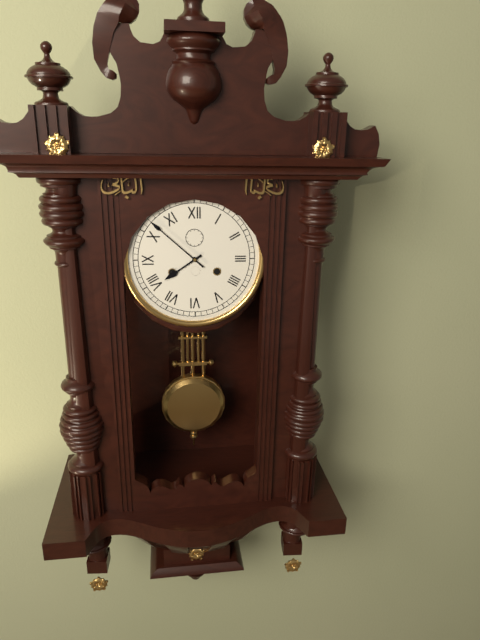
7h52
